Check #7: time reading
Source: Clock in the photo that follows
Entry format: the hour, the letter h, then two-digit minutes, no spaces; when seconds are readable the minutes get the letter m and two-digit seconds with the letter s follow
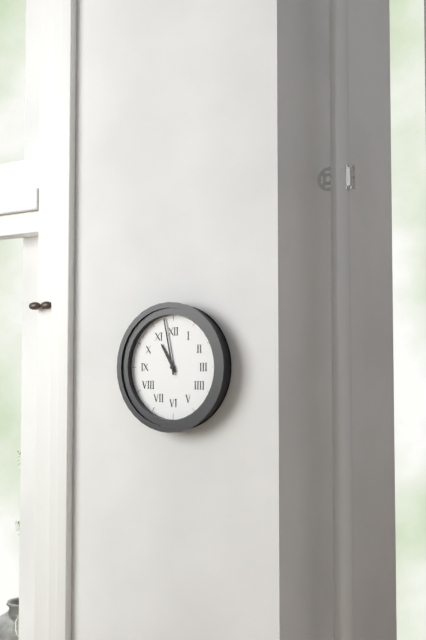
10h58
